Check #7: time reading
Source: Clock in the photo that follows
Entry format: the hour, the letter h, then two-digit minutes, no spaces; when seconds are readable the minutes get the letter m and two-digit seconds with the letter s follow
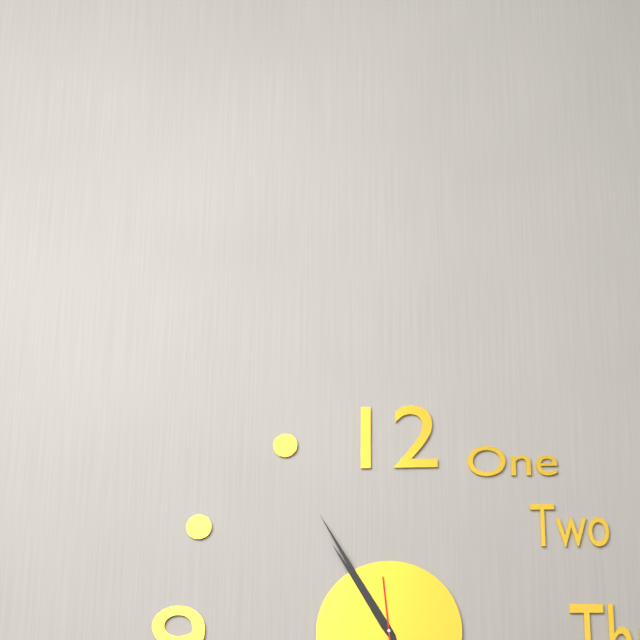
10h55
